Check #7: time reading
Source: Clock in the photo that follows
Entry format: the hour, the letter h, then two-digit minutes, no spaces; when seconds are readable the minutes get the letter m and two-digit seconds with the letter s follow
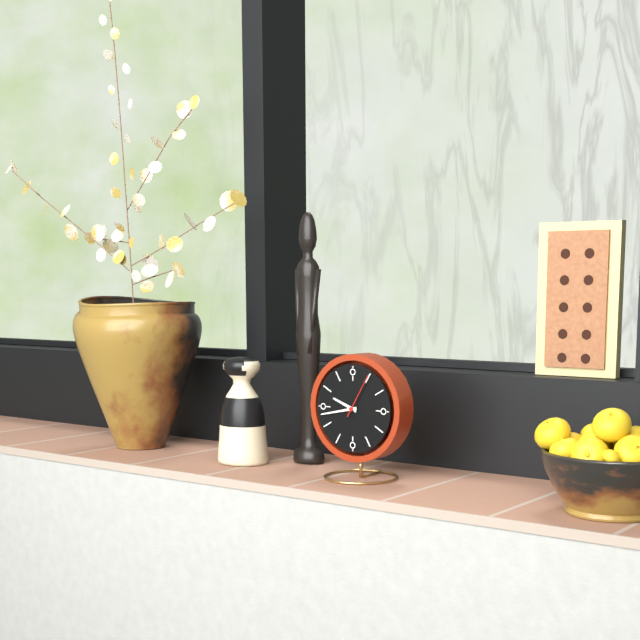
9h43
